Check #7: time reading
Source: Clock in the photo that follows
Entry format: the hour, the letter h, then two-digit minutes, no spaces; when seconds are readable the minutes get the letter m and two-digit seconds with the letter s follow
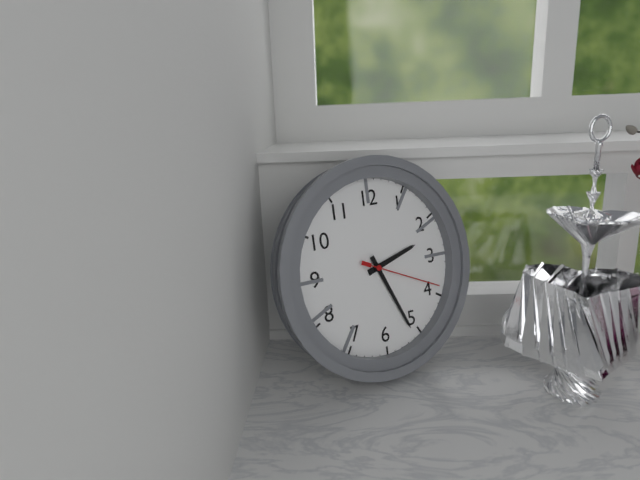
2h26m19s
